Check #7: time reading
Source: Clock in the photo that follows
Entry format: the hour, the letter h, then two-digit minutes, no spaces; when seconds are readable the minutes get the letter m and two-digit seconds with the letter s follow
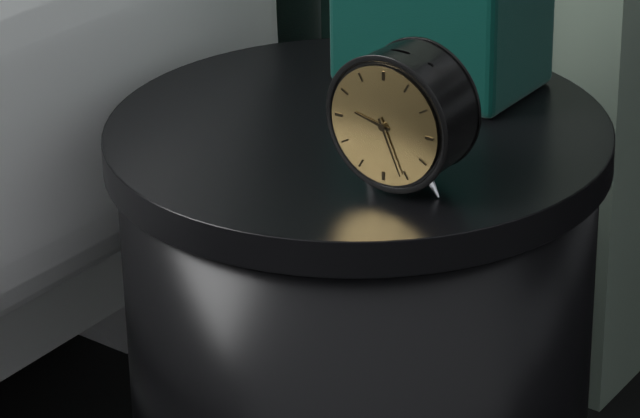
9h26
